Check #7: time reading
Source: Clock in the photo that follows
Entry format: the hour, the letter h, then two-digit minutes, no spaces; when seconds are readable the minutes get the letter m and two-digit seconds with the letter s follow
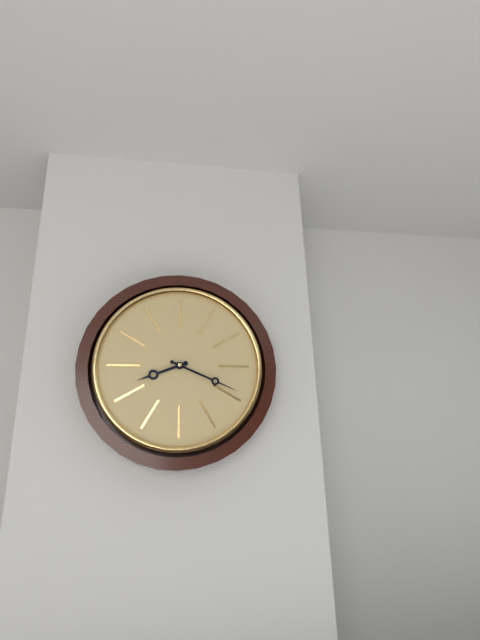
8h19
